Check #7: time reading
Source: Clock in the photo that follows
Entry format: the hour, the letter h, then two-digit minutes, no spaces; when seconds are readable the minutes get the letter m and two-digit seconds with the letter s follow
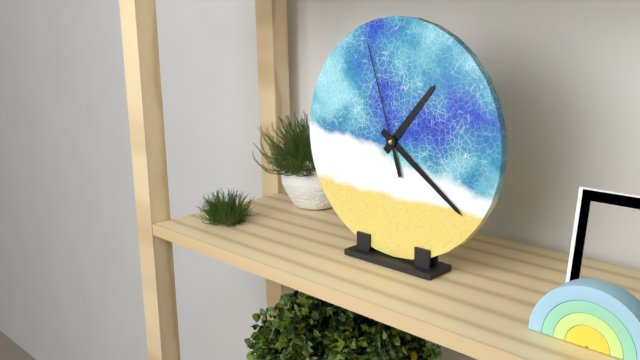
1h21m57s
